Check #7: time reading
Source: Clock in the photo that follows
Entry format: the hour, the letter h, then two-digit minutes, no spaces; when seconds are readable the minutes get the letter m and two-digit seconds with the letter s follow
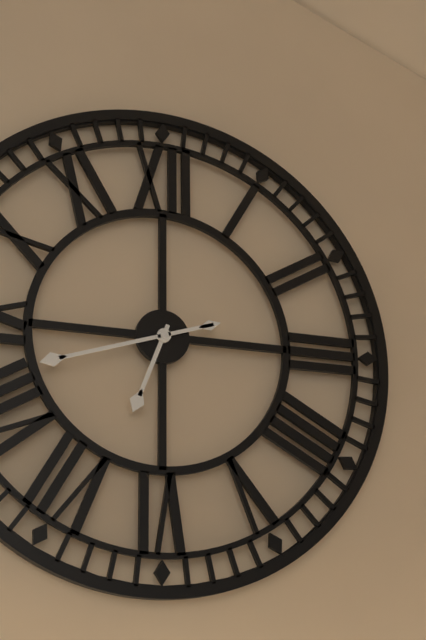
6h42
